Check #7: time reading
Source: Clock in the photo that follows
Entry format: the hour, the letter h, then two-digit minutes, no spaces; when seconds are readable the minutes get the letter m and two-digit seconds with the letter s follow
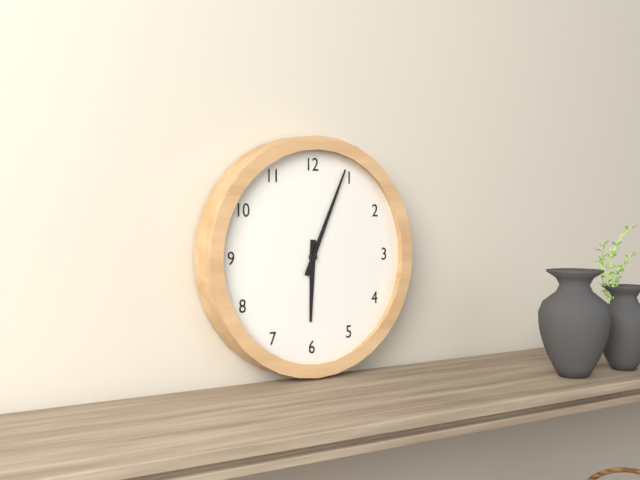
6h04
